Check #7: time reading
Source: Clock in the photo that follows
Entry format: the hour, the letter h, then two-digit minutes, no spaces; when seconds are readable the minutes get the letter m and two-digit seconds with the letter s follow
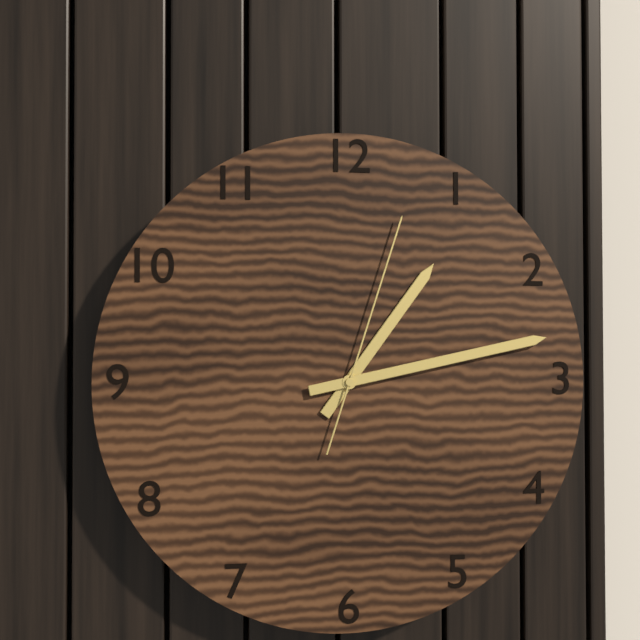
1h13m03s
